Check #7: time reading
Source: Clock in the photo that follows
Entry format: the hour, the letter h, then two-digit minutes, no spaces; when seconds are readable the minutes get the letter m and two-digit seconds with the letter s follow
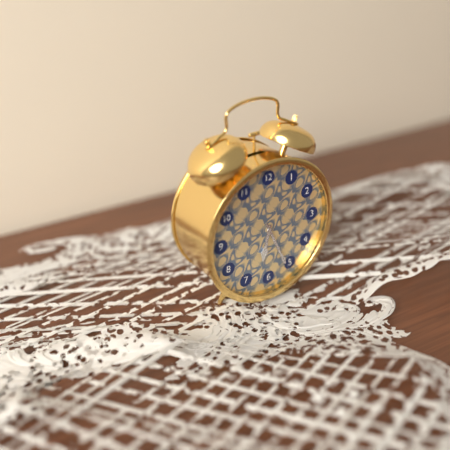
6h26
